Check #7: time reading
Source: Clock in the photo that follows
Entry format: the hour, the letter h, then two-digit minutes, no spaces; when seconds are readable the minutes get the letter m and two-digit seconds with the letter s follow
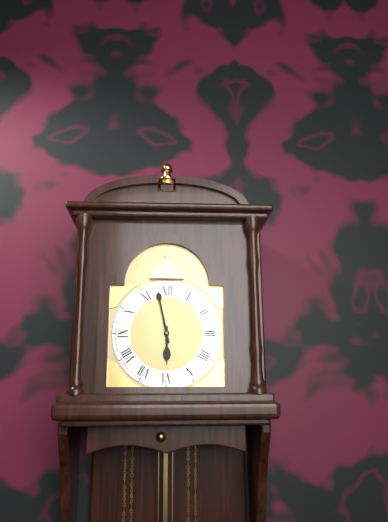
5h58
